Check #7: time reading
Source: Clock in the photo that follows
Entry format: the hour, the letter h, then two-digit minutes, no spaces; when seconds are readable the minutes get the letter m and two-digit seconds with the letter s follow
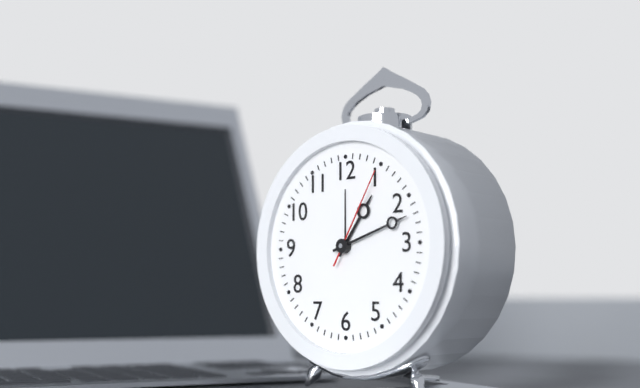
1h12m05s
